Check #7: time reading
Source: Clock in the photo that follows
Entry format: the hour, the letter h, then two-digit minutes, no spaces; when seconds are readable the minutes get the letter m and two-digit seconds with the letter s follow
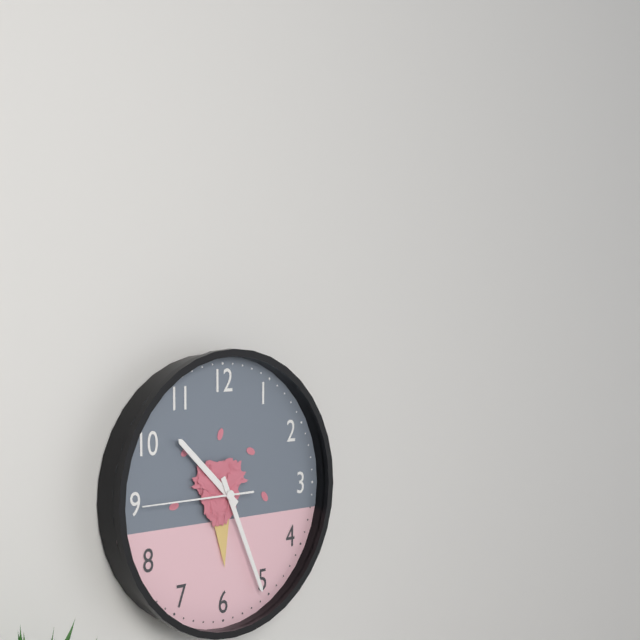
10h26m45s
